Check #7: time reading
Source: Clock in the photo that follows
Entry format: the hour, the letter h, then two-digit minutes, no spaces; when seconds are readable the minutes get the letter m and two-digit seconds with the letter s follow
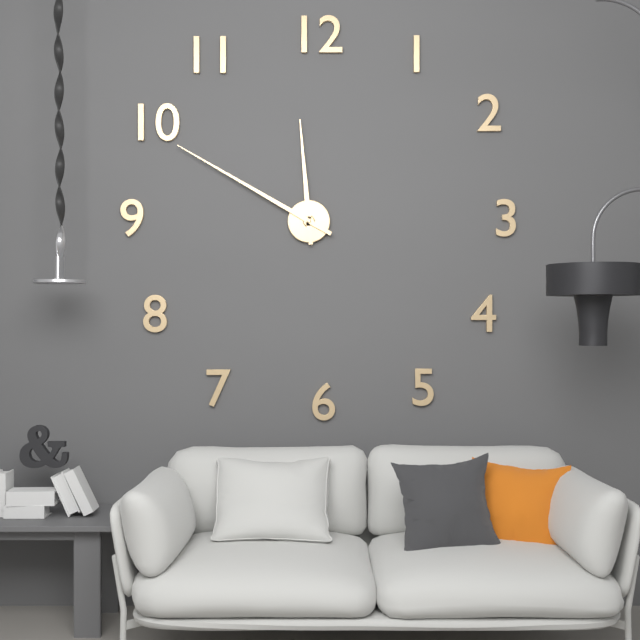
11h50
